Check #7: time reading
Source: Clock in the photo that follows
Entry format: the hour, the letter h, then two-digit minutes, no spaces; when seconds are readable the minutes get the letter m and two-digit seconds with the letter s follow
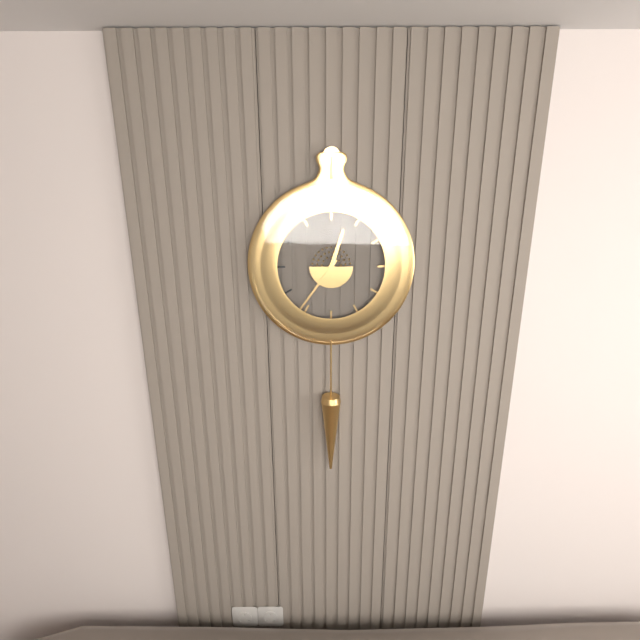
12h36
